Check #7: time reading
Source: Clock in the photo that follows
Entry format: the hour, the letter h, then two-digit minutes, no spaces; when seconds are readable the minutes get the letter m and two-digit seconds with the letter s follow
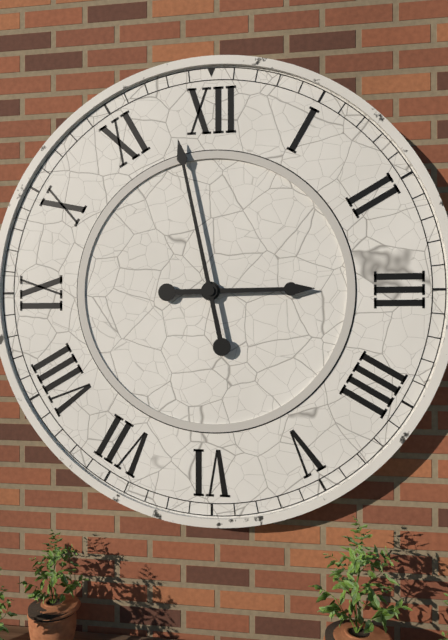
2h58
